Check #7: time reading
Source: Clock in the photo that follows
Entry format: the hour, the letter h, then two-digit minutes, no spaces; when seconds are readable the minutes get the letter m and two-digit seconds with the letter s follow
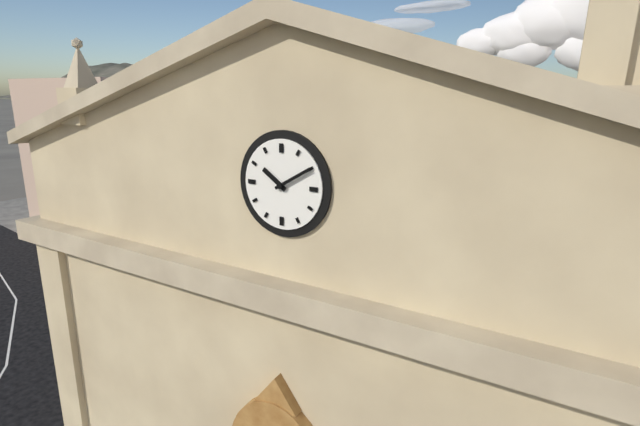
10h10
